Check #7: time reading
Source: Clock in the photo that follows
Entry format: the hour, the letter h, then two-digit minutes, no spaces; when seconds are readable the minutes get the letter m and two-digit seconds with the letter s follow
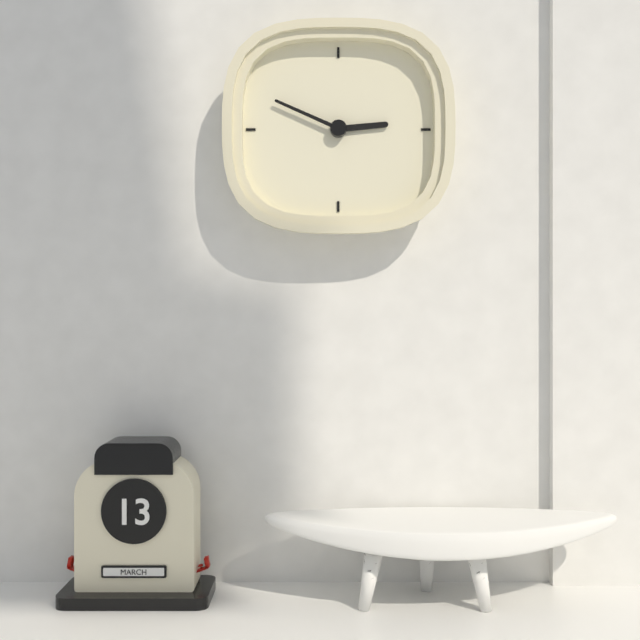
2h49
